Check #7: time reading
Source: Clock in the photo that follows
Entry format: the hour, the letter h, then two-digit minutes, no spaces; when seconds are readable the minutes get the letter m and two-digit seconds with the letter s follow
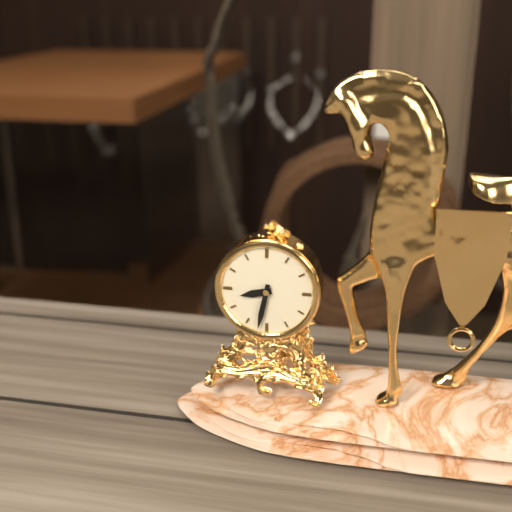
8h32
